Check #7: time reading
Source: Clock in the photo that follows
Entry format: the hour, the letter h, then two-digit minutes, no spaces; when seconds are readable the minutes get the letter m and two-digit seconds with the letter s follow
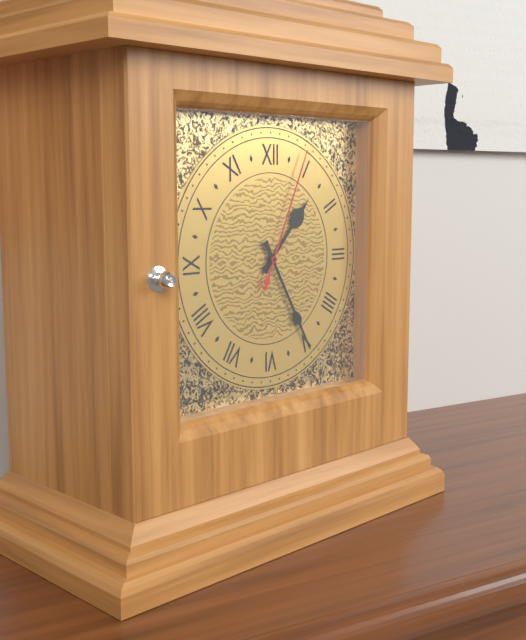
1h25m04s
